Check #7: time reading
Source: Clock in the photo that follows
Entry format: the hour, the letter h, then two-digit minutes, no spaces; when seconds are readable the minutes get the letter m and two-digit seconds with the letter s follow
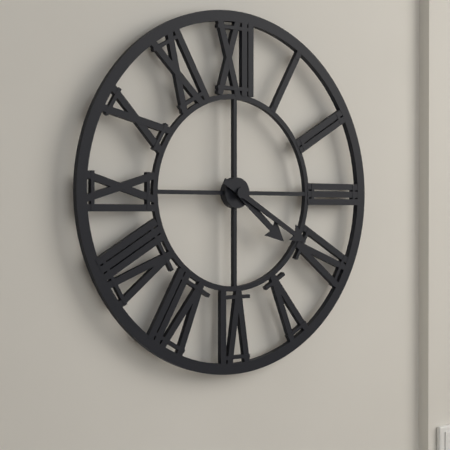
4h20
